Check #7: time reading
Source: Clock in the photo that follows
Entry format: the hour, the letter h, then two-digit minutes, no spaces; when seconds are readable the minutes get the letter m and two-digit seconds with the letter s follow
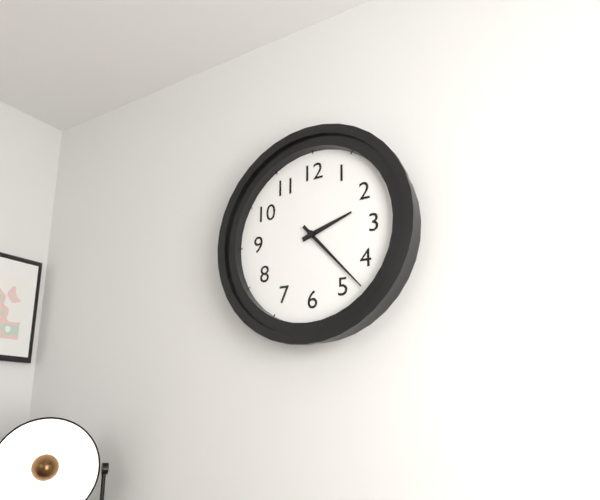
2h23
